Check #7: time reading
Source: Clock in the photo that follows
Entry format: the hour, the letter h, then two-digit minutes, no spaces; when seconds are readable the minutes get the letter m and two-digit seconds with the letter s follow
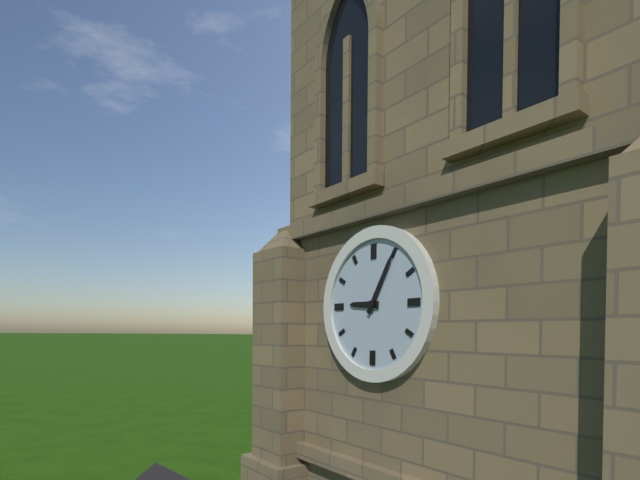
9h05
